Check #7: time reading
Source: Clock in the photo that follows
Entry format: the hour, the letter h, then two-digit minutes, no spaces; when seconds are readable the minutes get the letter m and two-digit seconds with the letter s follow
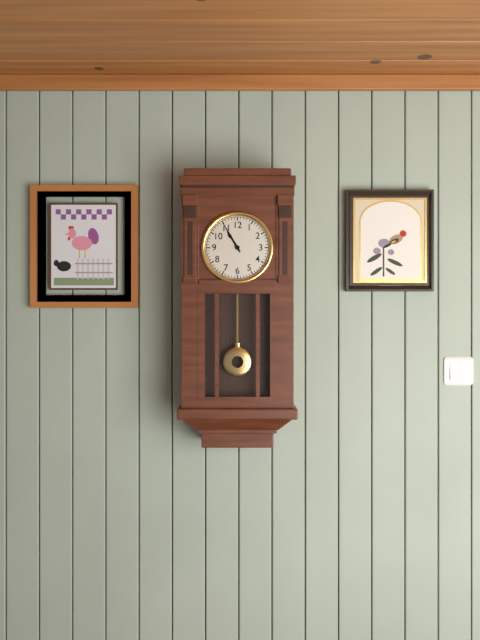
10h55
